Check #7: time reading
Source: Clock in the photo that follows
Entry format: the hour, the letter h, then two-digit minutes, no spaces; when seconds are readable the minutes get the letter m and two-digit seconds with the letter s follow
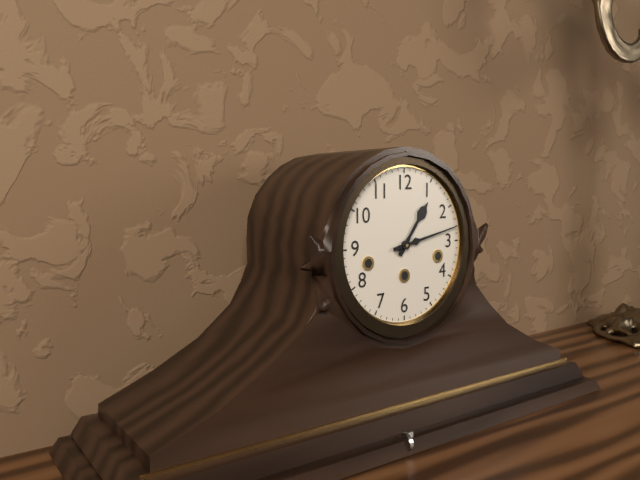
1h13
